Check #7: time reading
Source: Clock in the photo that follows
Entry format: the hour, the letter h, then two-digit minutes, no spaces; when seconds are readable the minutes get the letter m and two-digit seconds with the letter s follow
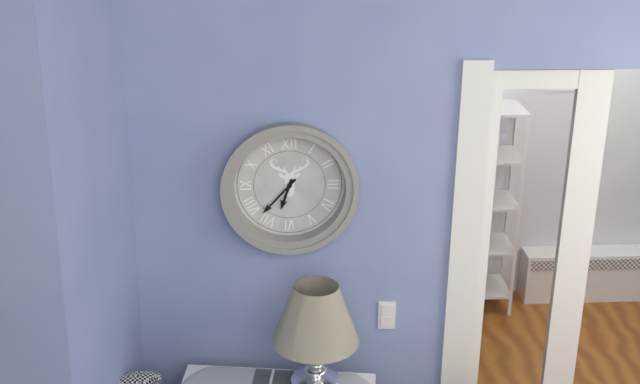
6h37
